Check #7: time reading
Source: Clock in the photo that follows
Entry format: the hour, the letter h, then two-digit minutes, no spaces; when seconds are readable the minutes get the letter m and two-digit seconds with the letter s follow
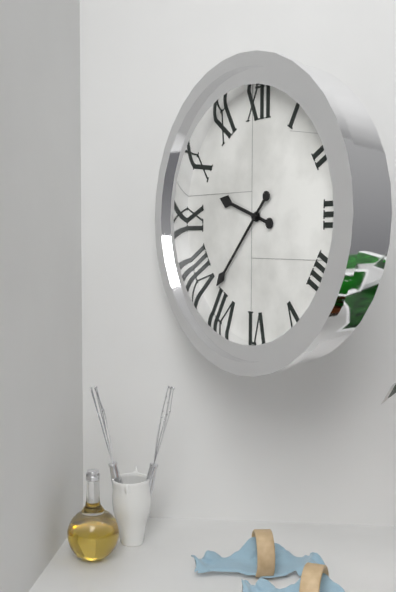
9h37
